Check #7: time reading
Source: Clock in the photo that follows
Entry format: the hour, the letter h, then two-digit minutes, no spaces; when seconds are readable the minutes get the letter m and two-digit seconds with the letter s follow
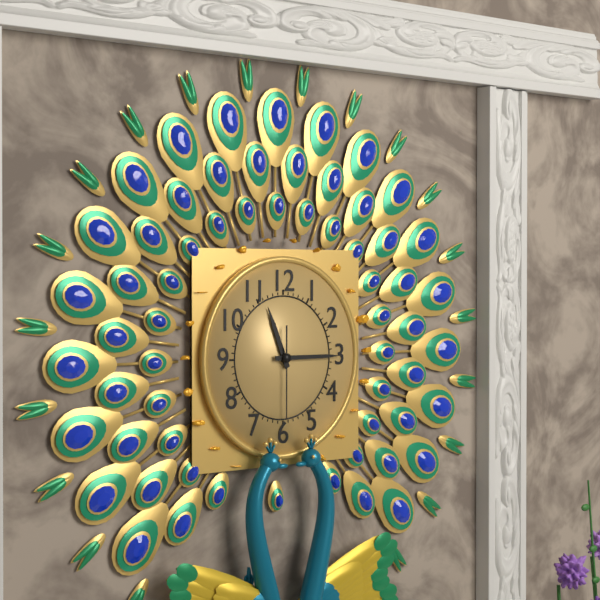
11h15m30s
